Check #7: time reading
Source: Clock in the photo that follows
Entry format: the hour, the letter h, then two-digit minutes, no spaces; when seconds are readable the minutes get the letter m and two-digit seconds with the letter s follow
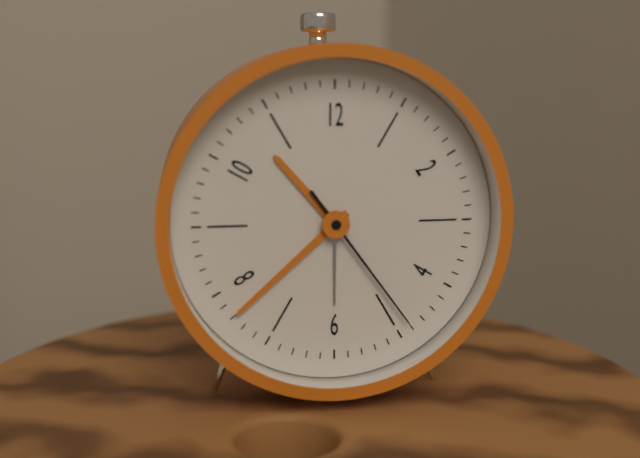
10h38m24s
